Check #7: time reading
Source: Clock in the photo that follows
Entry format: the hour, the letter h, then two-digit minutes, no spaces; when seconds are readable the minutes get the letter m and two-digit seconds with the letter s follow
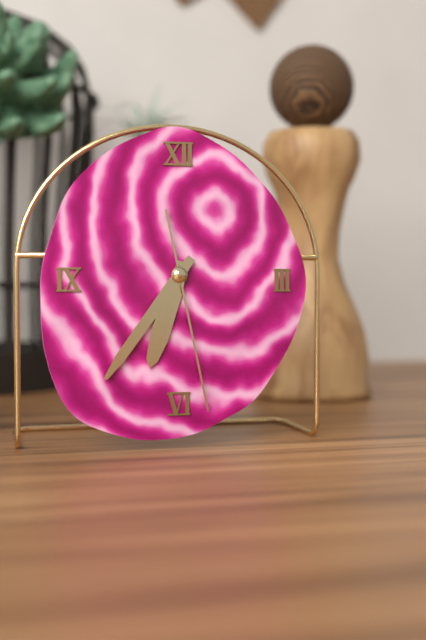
6h36m28s
